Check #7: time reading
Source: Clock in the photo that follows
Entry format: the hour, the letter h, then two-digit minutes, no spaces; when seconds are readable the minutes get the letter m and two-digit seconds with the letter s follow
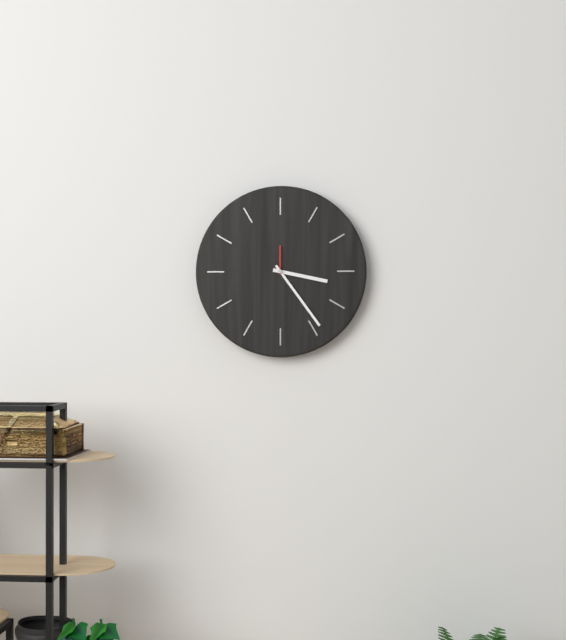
3h24
